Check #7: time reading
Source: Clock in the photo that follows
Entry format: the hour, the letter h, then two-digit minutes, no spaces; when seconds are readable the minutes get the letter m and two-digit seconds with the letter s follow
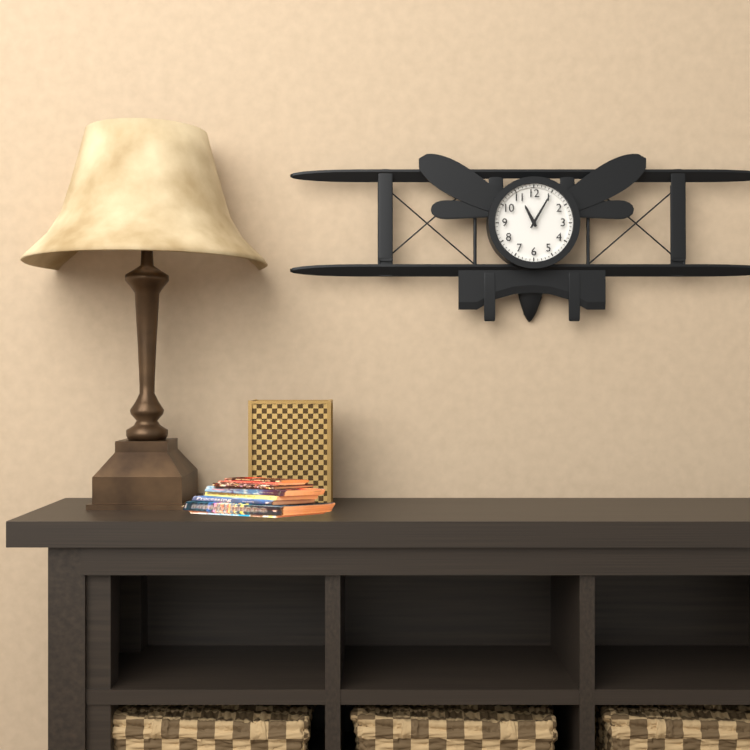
11h05
